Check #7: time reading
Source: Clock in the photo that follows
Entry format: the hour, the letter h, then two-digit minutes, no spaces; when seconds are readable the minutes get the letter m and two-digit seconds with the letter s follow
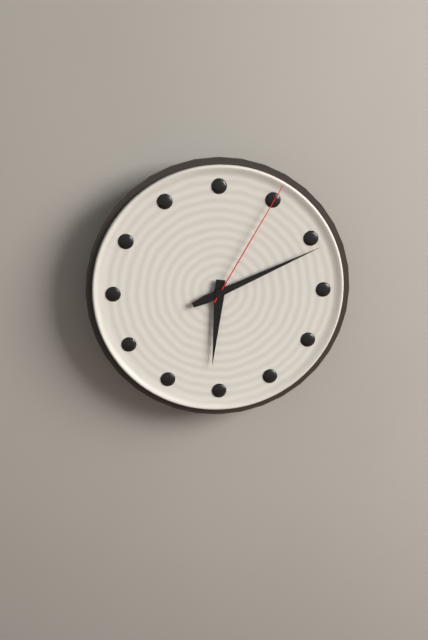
6h11m05s
